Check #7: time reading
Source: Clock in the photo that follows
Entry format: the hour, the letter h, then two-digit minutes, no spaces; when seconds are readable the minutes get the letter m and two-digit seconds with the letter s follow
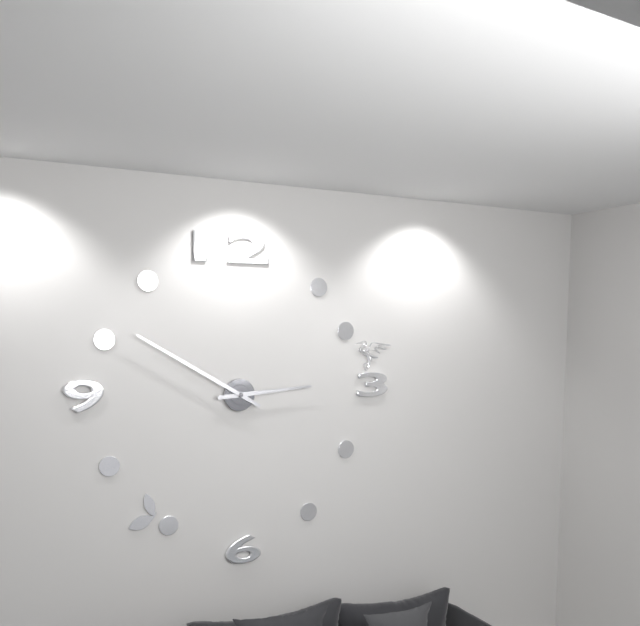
2h50
